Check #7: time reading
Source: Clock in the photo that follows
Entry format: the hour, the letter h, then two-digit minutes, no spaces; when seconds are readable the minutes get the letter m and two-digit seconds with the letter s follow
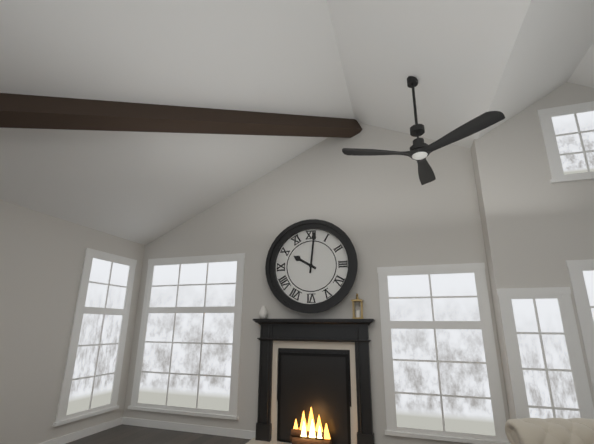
10h01
